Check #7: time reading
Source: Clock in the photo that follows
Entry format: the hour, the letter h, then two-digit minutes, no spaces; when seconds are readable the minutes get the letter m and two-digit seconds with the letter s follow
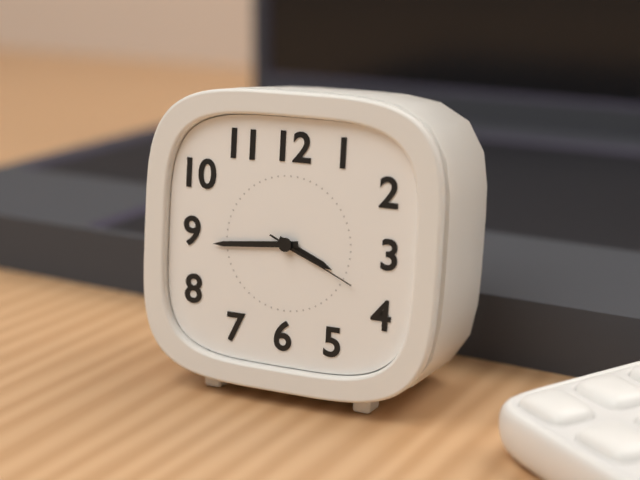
3h44m19s
